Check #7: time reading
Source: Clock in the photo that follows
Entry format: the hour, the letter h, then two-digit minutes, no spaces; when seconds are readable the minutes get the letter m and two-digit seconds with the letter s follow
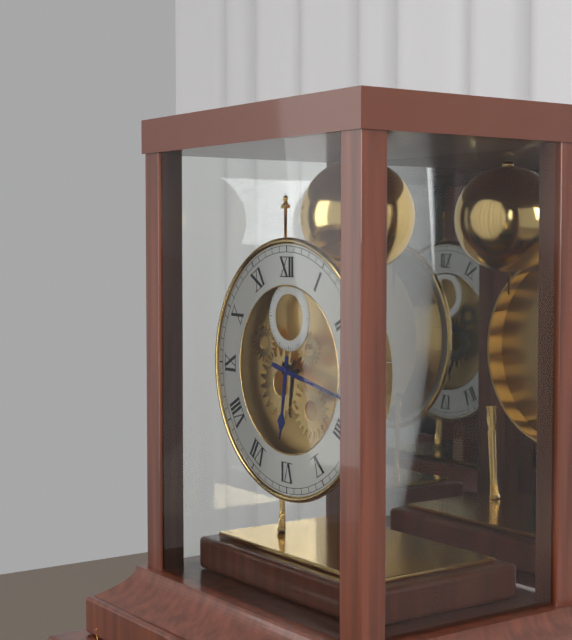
6h17
